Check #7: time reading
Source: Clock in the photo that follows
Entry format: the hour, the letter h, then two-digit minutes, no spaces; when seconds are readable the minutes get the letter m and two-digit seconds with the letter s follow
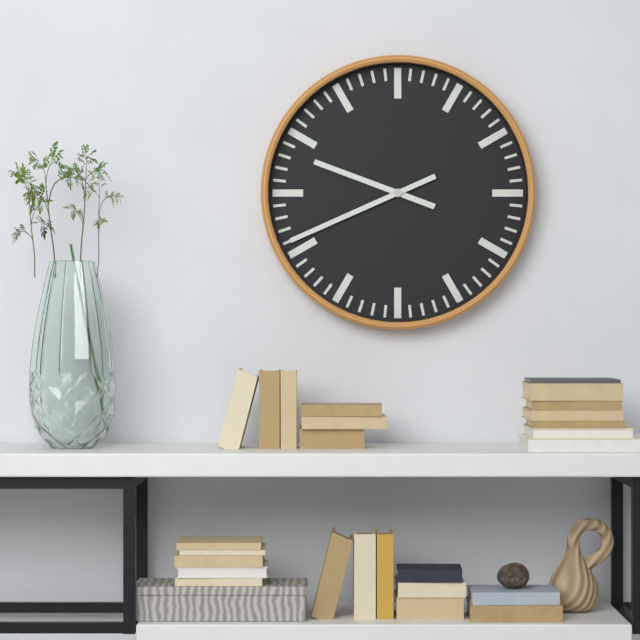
9h41
